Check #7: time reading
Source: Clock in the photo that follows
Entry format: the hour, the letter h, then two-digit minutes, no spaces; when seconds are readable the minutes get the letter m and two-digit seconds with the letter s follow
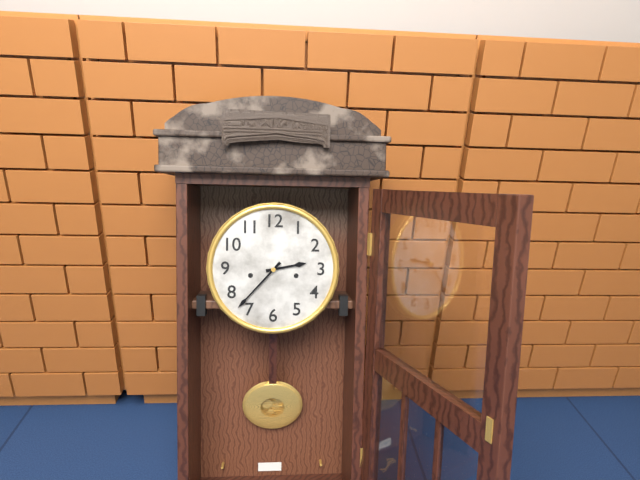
2h37
